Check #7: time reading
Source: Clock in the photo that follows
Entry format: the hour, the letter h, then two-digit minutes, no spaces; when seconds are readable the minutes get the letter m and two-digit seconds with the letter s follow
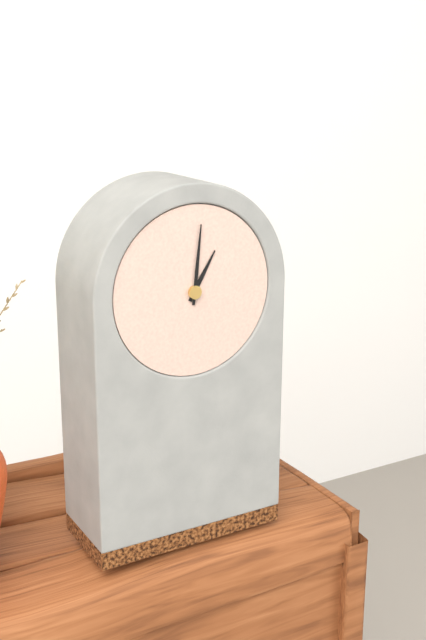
1h01
